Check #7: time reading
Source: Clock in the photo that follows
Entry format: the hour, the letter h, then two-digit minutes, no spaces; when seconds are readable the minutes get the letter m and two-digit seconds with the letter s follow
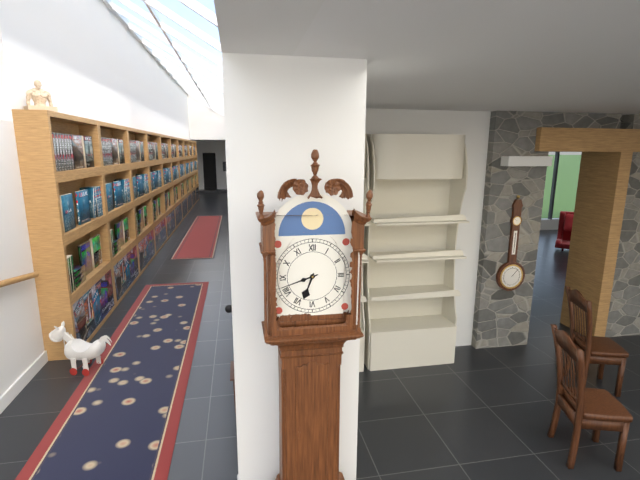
6h42
